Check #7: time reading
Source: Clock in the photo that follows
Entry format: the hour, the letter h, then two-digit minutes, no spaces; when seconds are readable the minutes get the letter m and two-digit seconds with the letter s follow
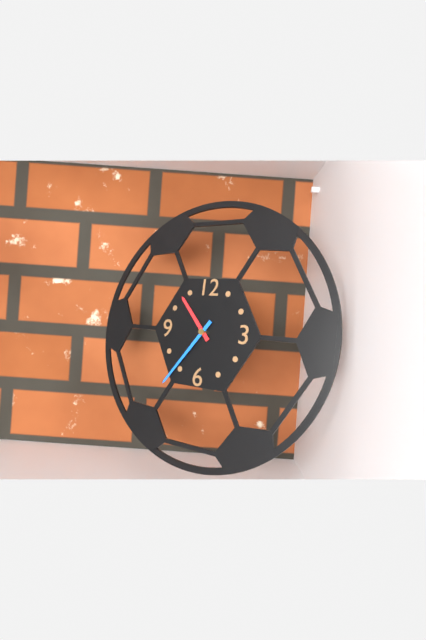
10h36
